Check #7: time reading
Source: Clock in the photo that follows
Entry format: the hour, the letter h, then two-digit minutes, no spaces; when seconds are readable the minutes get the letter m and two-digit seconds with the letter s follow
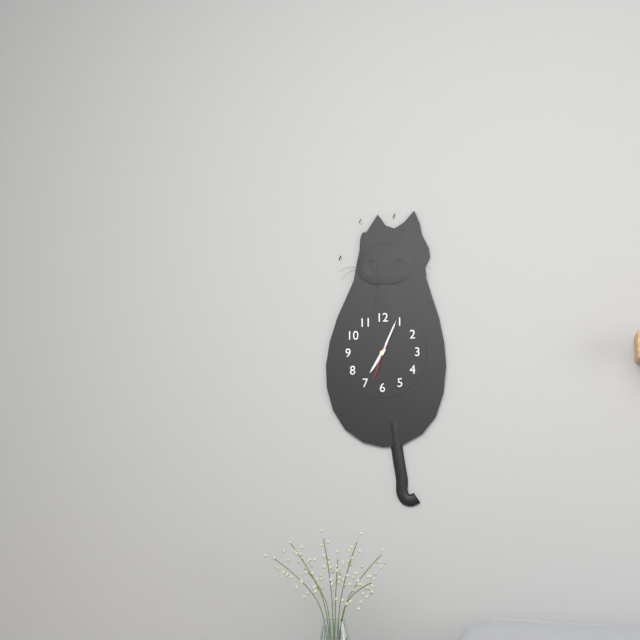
7h04
